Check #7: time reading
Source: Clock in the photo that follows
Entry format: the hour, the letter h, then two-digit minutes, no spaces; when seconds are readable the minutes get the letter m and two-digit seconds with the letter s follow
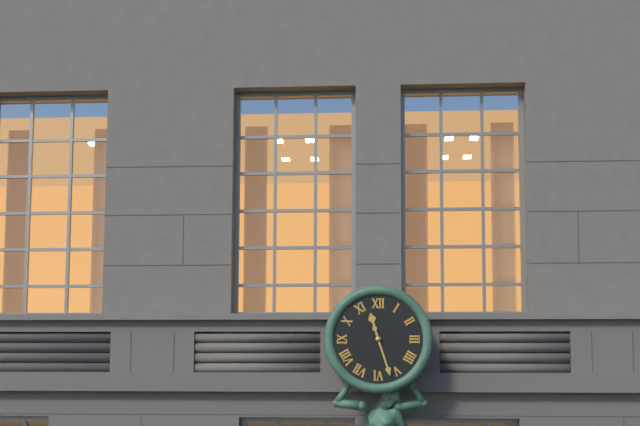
11h27
